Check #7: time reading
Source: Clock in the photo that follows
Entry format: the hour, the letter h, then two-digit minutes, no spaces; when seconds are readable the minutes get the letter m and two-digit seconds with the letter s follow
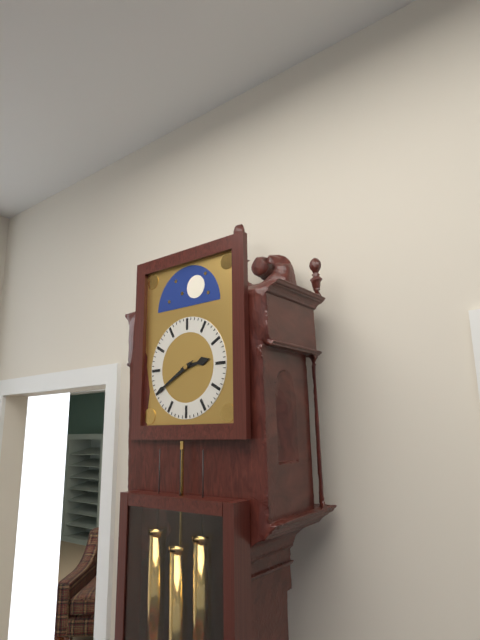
2h40
